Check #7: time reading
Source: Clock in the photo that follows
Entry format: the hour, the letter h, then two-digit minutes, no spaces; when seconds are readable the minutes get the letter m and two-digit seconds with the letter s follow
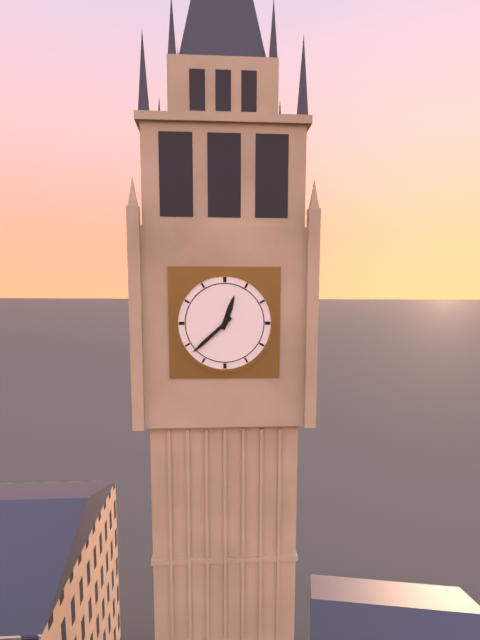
12h38
